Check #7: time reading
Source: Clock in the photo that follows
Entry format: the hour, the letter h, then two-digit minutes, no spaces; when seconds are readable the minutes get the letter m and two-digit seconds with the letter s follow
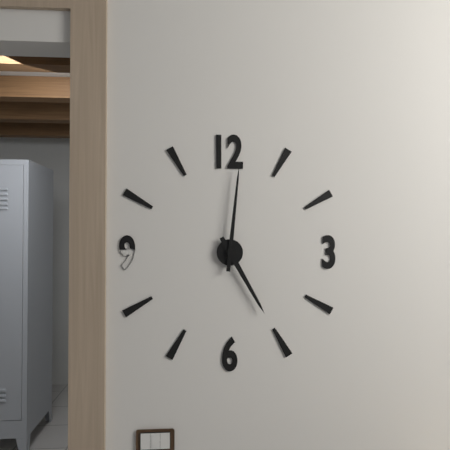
5h01
